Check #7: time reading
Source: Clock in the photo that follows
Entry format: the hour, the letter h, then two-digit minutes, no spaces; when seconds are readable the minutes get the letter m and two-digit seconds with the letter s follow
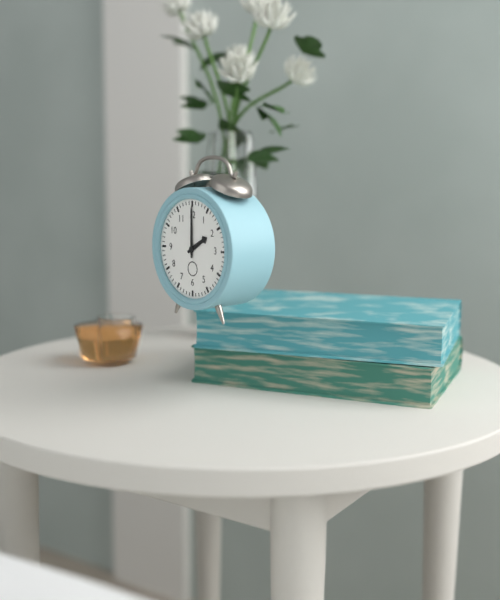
2h00
